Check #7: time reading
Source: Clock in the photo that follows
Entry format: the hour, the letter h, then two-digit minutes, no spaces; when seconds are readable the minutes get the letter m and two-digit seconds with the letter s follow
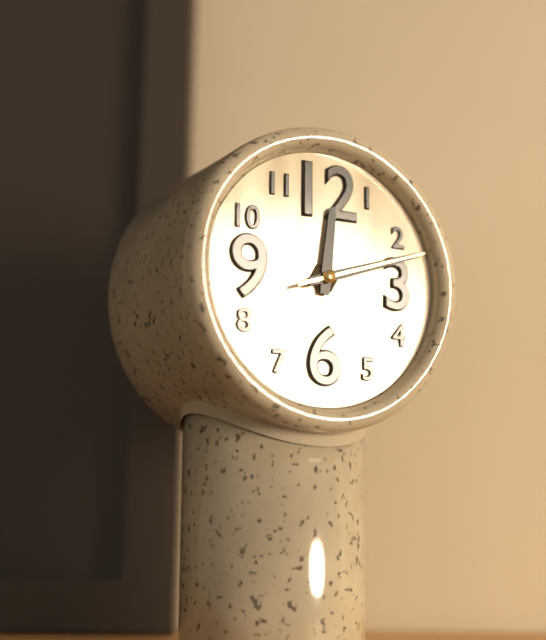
12h12m12s
